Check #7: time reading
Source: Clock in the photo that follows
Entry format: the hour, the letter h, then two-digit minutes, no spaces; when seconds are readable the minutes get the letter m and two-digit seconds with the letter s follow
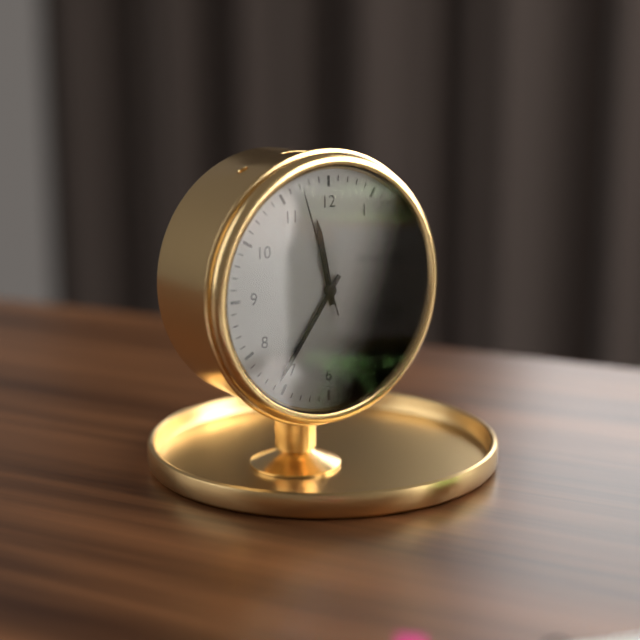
11h36m57s
